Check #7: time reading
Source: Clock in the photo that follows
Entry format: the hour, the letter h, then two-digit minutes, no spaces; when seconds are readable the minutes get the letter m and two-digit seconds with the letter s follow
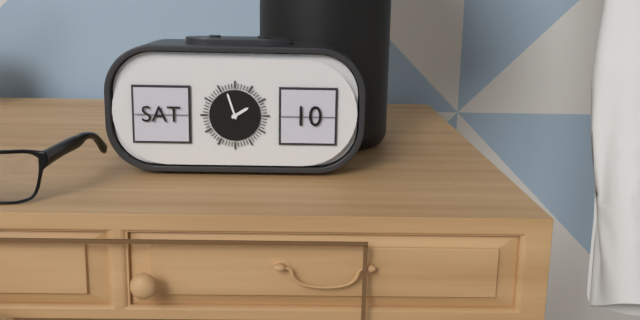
1h57
